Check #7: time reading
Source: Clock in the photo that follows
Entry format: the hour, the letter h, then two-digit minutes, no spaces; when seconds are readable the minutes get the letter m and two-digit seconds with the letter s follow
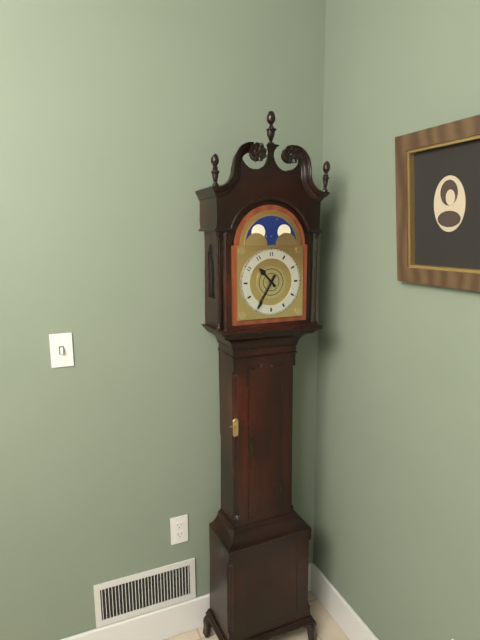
10h35
